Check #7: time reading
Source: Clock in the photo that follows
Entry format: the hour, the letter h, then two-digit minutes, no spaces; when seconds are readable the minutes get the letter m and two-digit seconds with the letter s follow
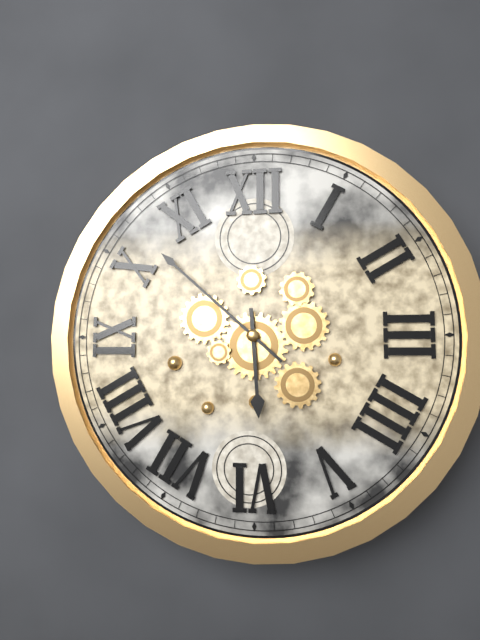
5h52
